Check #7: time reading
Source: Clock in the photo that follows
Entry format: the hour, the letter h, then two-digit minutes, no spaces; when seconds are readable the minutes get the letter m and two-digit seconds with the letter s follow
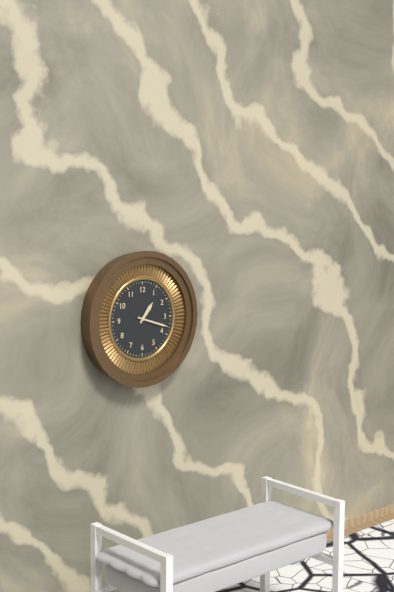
1h18
